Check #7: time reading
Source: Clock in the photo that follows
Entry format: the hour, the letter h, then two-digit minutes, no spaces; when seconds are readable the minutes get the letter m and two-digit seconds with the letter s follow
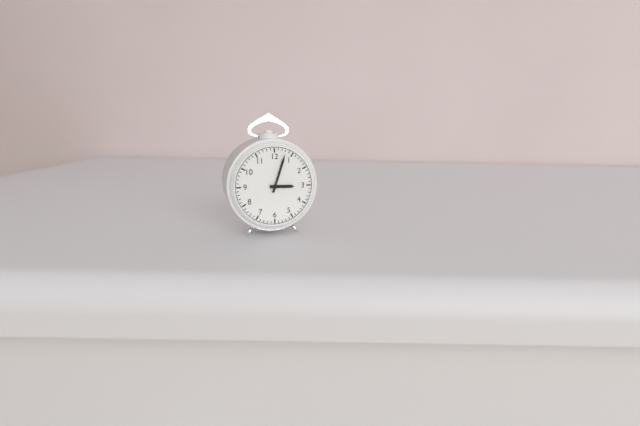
3h03
